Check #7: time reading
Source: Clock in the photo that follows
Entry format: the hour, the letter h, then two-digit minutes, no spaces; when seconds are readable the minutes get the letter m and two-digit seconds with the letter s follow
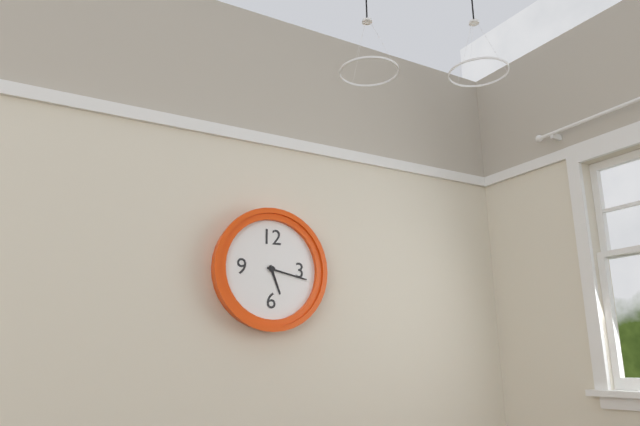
5h17
